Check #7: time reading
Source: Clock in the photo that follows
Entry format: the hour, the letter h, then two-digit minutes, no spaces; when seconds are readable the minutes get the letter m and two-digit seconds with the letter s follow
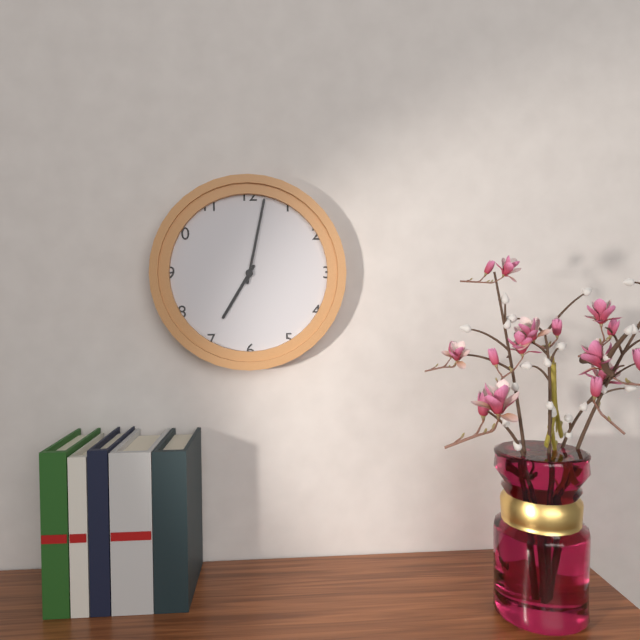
7h02
